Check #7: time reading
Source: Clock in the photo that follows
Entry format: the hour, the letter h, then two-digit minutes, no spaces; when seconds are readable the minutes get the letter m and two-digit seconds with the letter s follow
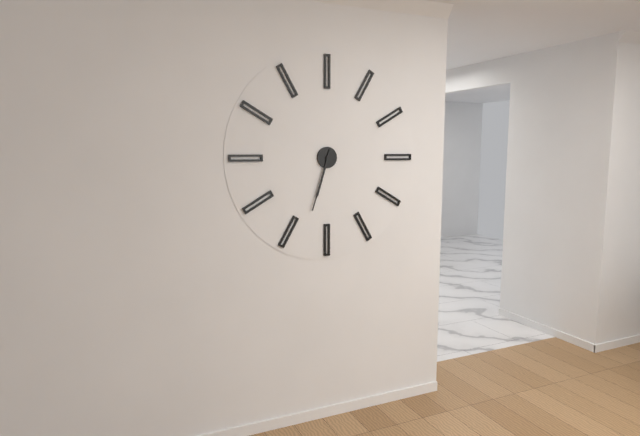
6h33
